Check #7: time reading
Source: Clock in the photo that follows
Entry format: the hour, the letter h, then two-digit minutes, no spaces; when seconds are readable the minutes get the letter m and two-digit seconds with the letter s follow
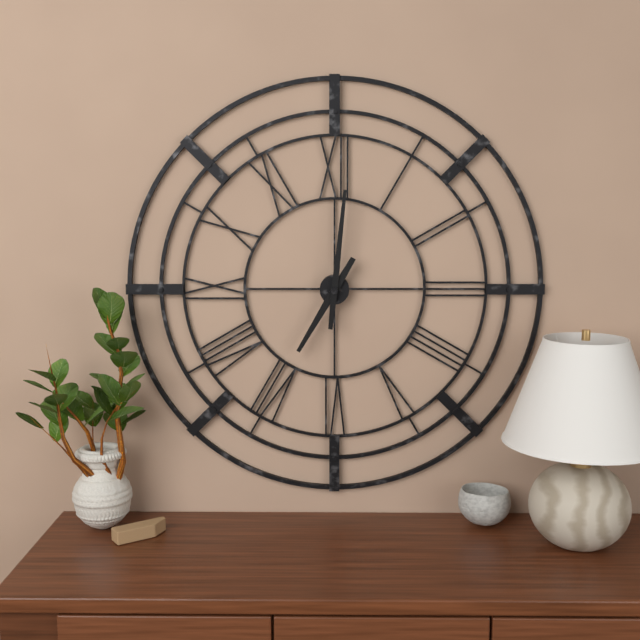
7h01
